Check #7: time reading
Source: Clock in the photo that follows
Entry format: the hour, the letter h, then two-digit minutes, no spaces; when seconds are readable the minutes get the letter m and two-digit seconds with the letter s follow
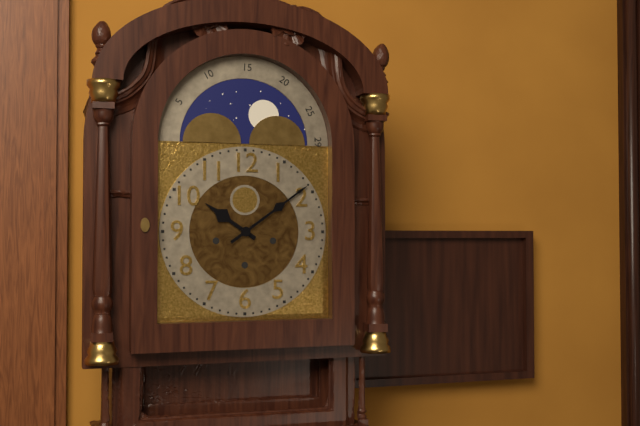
10h09
